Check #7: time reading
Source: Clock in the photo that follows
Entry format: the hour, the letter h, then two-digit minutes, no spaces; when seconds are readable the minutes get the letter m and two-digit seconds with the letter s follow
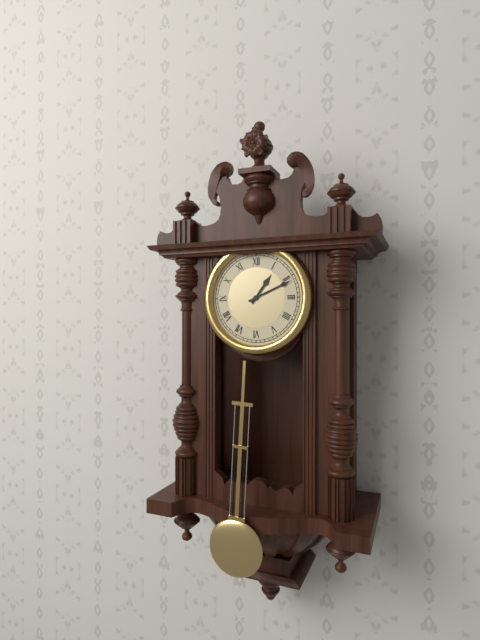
1h11
